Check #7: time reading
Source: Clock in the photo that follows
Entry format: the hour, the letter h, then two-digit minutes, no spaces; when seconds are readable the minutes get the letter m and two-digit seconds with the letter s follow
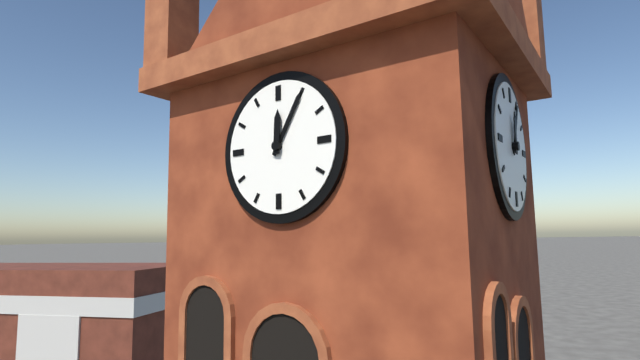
12h05
